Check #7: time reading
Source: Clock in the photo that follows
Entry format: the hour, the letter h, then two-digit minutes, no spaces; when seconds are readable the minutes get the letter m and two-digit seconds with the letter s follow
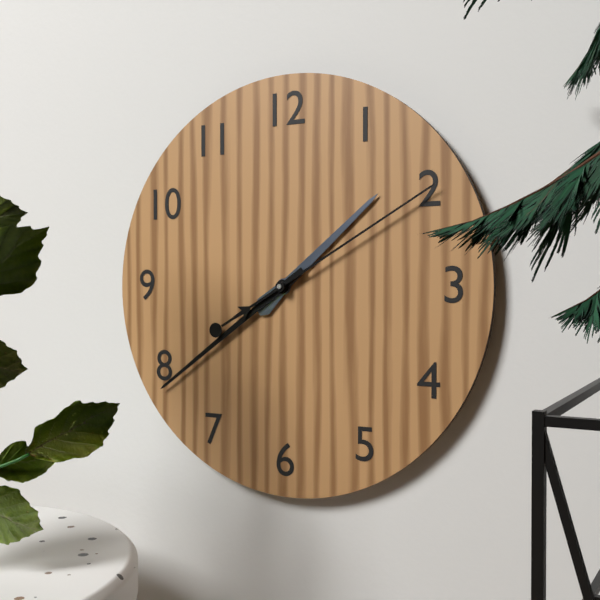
1h39m10s
